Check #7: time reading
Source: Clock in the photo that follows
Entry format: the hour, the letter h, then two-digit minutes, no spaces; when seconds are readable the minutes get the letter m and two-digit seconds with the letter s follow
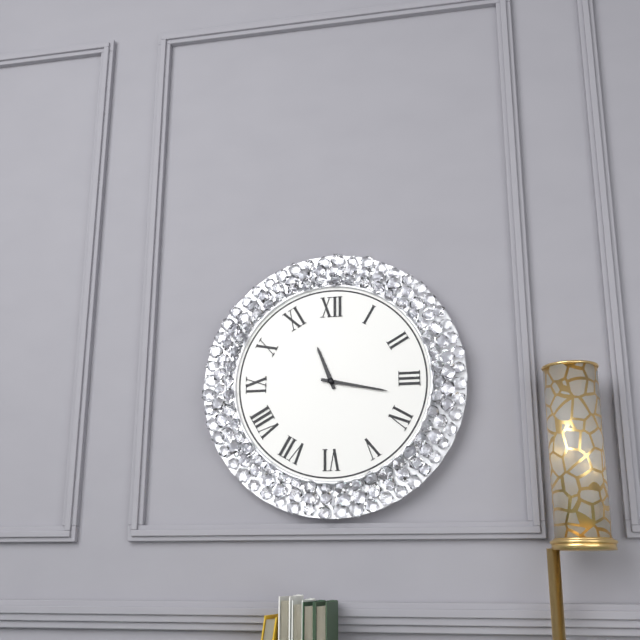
11h17
